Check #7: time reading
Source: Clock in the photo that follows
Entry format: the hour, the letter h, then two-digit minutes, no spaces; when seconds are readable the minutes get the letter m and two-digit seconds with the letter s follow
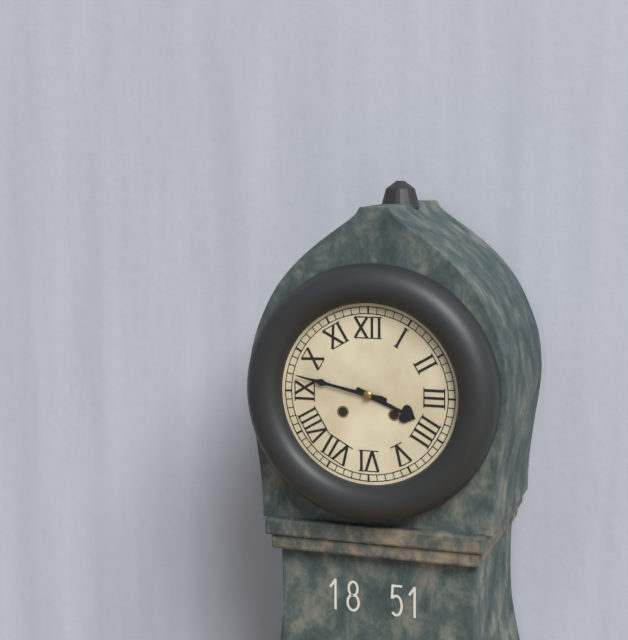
3h47
